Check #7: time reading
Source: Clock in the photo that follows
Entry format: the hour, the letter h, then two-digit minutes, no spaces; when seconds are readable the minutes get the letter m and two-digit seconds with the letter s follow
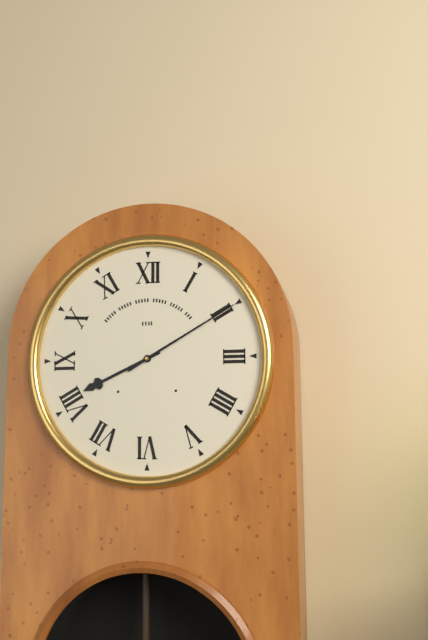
8h10
